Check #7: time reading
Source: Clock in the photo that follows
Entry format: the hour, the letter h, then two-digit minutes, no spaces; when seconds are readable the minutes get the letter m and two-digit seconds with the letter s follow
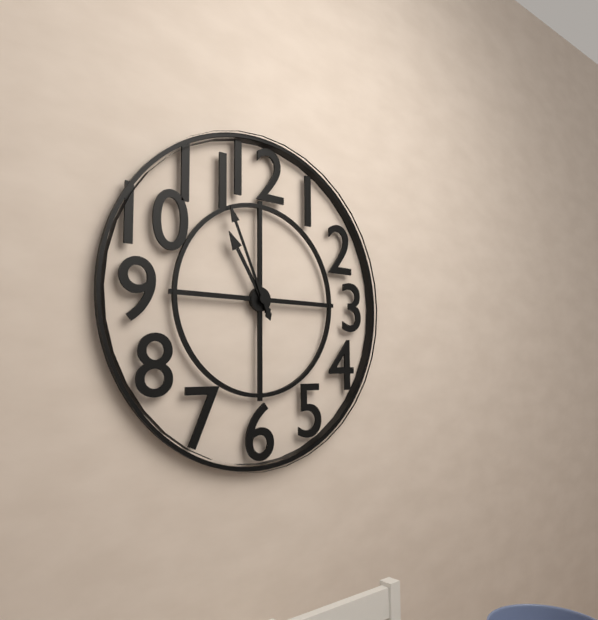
10h56
